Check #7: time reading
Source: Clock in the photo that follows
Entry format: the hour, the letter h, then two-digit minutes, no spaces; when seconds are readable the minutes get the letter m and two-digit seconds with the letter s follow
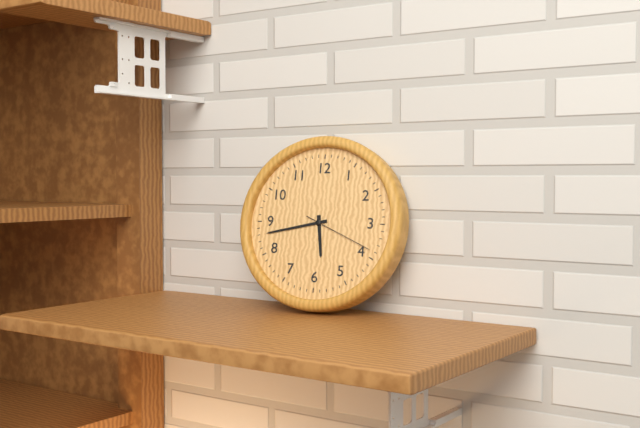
5h43m19s
